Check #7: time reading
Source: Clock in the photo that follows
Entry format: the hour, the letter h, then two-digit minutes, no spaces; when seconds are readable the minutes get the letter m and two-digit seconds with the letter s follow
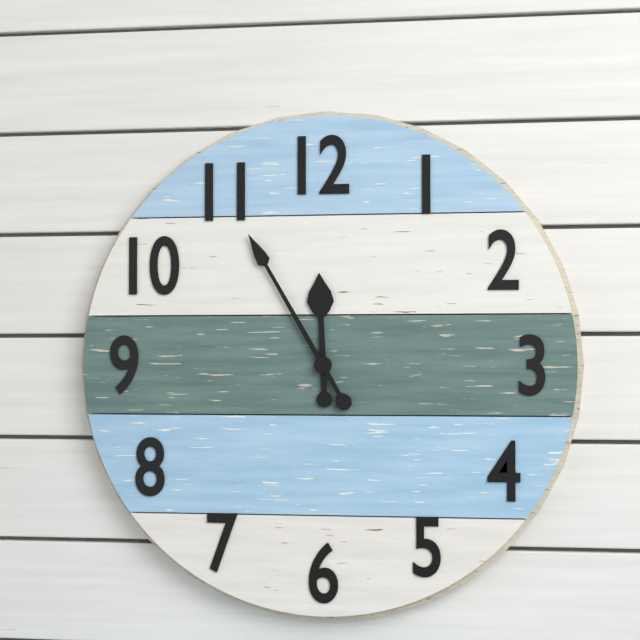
11h55
